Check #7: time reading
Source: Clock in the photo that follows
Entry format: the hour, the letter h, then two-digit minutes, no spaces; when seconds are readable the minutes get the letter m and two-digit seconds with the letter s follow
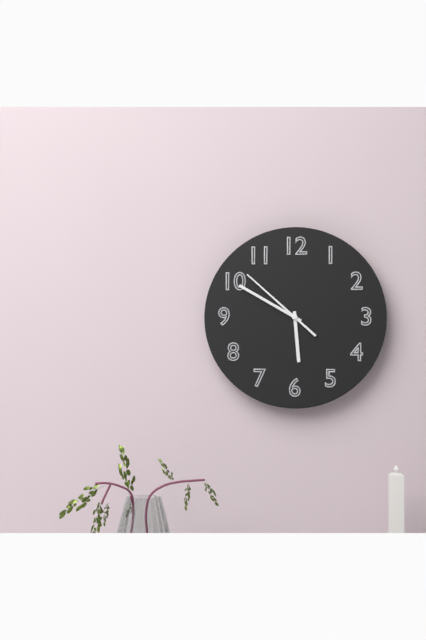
5h50m52s
